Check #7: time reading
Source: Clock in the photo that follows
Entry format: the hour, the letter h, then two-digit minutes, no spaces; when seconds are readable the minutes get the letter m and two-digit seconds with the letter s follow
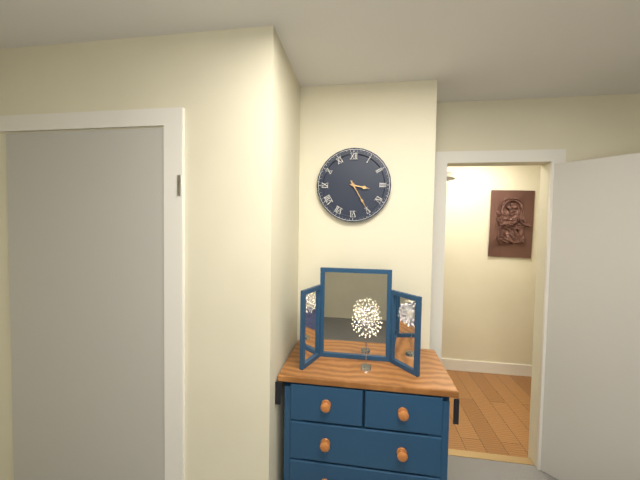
3h25
